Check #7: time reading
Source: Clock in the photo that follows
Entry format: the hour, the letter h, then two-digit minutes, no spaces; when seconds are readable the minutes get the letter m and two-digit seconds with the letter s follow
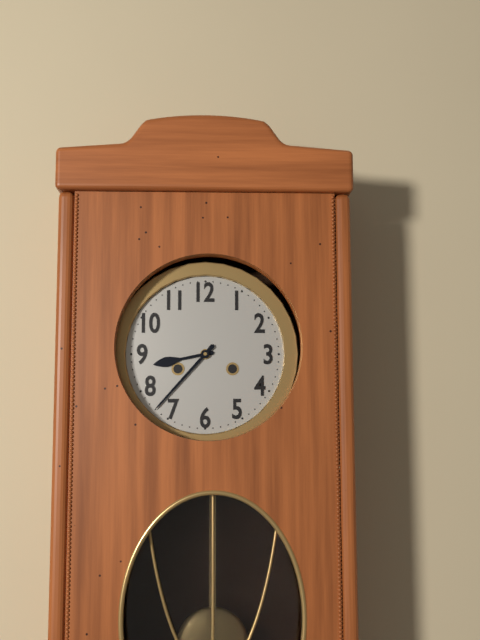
8h37
